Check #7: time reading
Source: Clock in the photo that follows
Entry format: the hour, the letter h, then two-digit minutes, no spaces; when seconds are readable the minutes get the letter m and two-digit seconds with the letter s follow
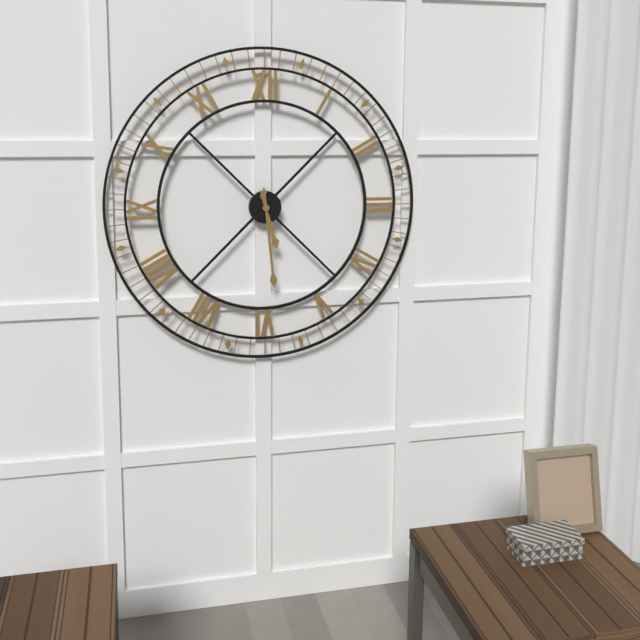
5h29
